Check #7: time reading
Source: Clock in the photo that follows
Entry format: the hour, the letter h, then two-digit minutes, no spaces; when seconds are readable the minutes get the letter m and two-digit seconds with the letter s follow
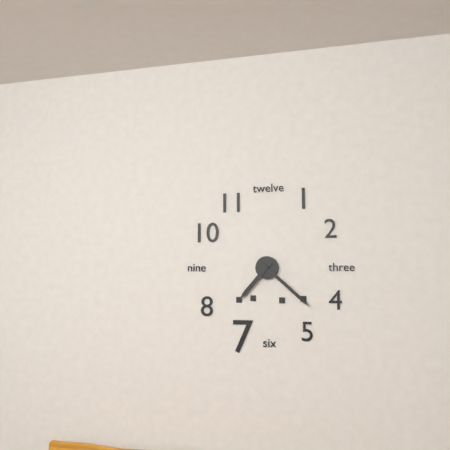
7h22
